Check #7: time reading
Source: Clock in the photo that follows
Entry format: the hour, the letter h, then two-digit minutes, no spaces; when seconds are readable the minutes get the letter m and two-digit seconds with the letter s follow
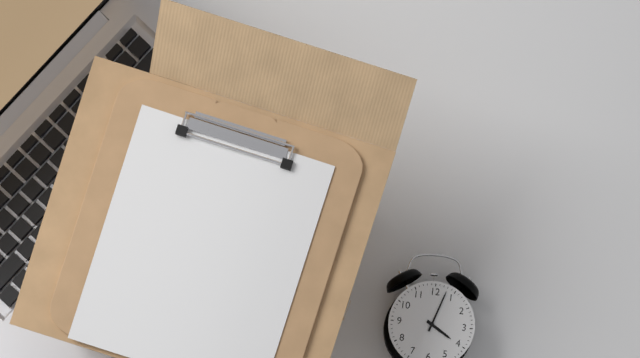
4h03
